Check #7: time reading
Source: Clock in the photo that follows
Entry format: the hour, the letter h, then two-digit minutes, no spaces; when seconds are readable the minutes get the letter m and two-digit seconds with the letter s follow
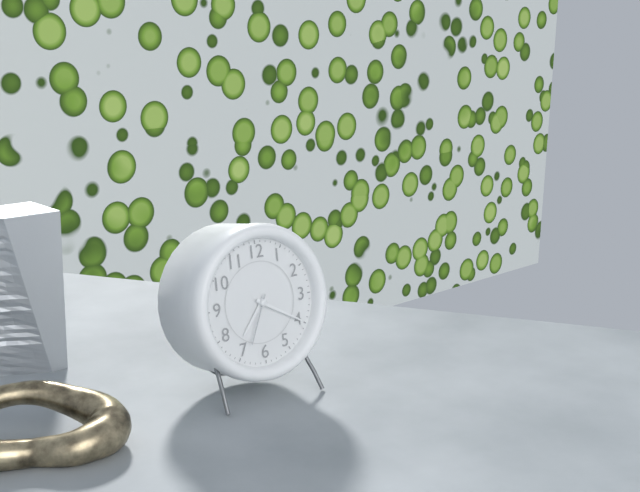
7h20m34s
